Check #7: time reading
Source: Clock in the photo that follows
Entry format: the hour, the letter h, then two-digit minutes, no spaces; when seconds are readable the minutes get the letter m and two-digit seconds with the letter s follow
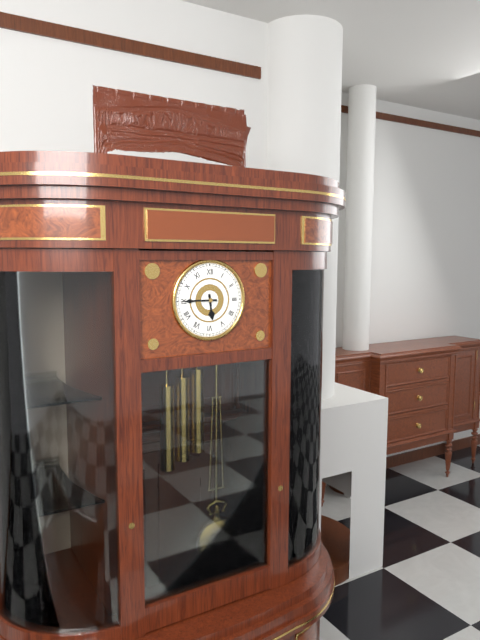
5h45
